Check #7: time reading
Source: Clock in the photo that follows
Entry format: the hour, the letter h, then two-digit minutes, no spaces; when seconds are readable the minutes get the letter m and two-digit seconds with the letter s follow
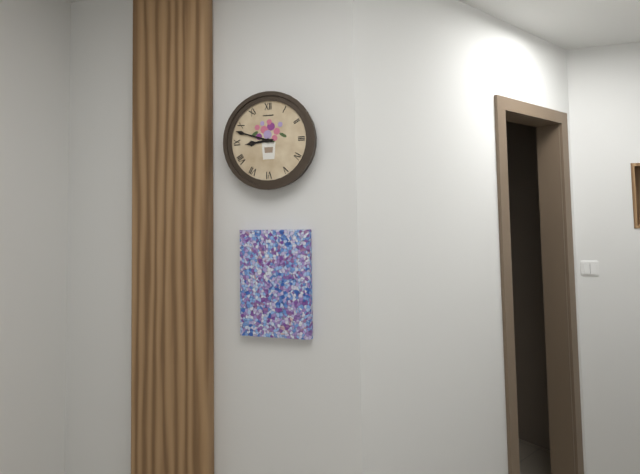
8h48
